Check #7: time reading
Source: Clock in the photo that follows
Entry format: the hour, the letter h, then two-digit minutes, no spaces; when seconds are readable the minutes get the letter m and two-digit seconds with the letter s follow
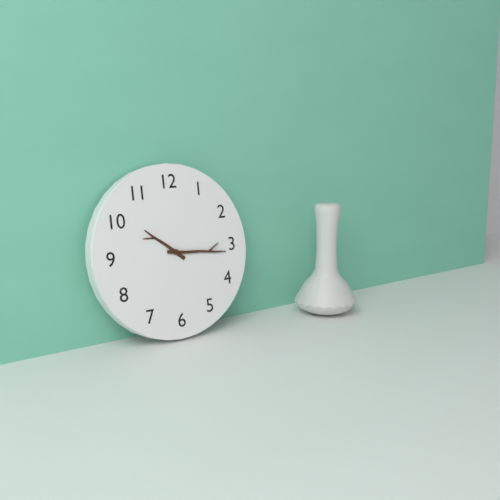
10h16
